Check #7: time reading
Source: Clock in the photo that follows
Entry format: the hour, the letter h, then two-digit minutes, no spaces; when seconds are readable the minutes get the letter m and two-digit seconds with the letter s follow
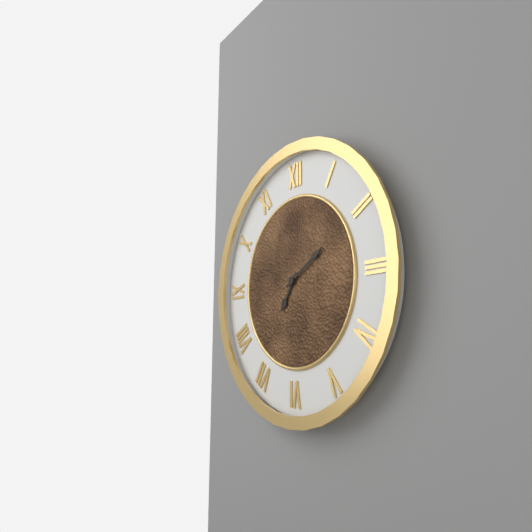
7h10
